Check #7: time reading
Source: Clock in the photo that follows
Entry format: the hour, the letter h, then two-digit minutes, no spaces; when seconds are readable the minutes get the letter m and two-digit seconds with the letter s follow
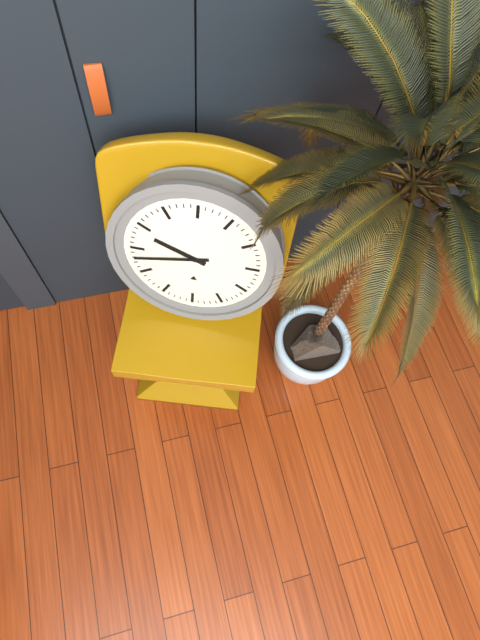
9h43
